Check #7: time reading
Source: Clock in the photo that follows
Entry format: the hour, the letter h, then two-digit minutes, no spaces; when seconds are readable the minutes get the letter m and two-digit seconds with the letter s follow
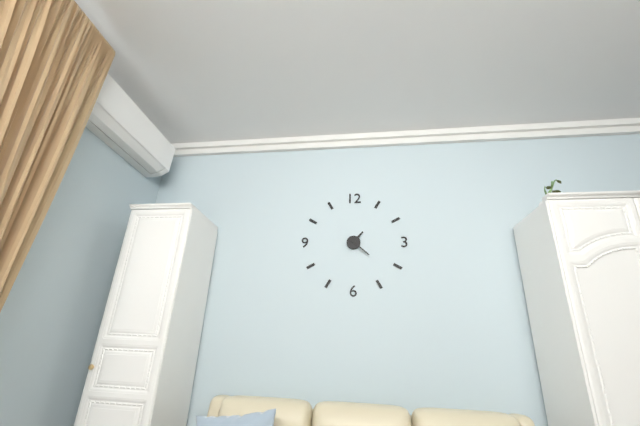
1h22
